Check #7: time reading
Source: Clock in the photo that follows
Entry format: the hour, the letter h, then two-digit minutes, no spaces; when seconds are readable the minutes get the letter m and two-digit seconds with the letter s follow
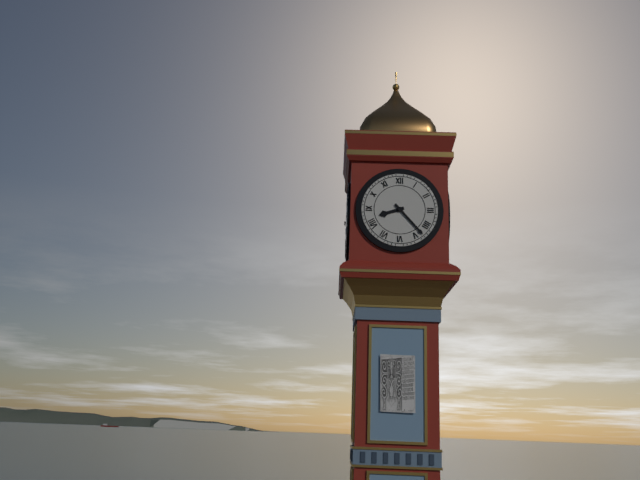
8h23
